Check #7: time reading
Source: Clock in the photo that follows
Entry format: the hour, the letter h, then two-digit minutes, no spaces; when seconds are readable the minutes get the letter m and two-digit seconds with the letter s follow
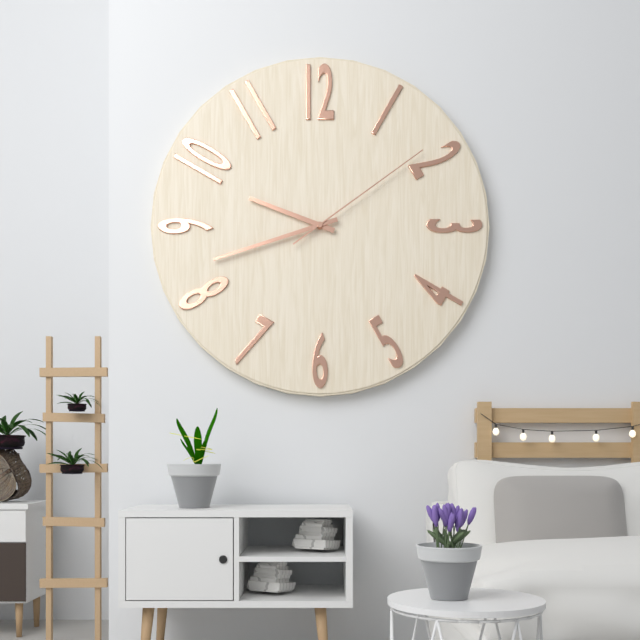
9h42m09s
